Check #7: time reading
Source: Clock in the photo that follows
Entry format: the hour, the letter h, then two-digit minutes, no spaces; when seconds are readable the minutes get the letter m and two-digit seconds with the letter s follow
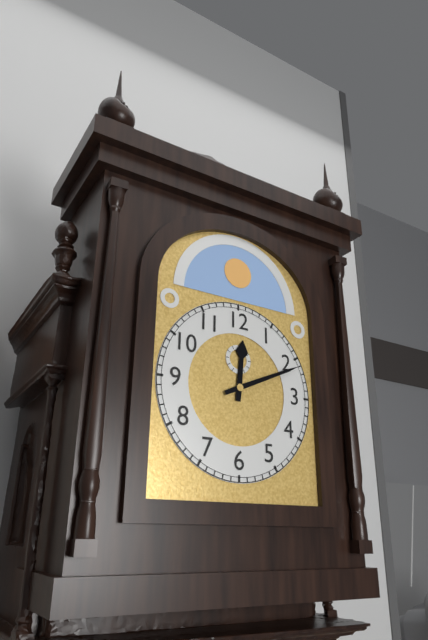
12h11
